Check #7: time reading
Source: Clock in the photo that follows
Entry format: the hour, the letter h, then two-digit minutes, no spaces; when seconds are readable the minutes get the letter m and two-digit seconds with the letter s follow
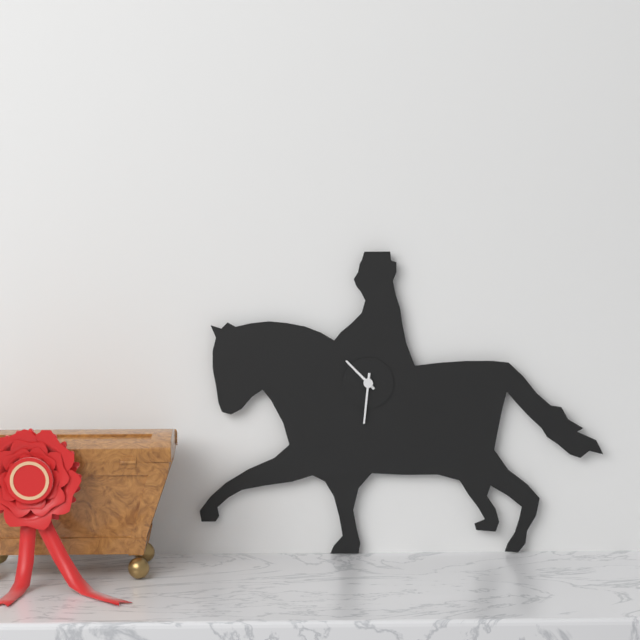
10h31
